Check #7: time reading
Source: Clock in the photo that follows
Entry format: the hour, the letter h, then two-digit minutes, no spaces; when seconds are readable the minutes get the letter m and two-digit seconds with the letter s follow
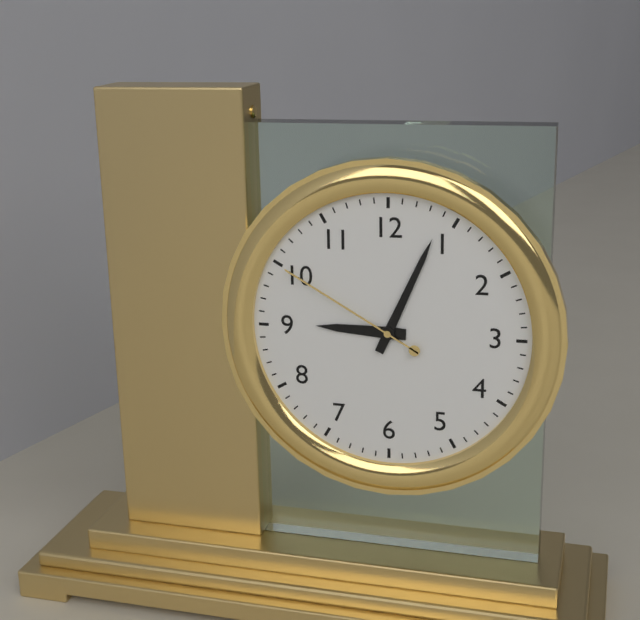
9h04m50s
